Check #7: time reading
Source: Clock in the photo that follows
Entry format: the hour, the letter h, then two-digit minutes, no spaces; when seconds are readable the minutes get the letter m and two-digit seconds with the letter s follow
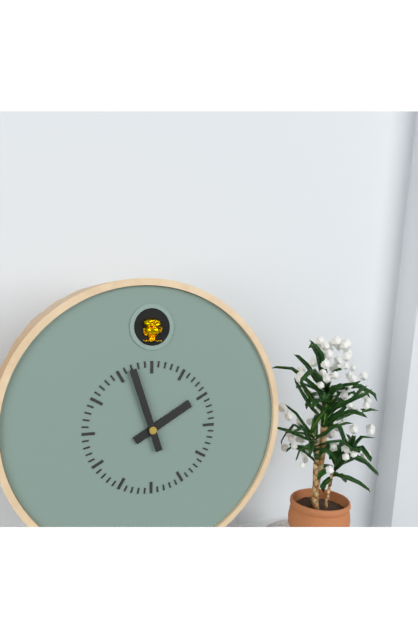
1h57
